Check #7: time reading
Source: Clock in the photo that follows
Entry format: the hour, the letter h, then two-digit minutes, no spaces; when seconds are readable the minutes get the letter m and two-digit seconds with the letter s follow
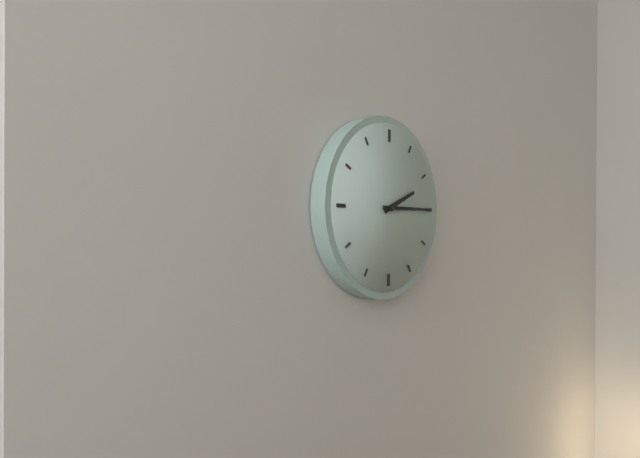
2h15
